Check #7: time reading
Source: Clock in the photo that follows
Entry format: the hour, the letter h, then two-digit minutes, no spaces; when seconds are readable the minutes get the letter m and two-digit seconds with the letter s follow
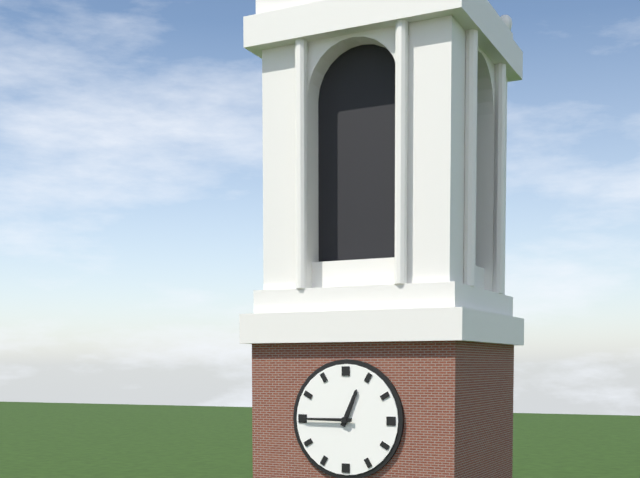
12h45
